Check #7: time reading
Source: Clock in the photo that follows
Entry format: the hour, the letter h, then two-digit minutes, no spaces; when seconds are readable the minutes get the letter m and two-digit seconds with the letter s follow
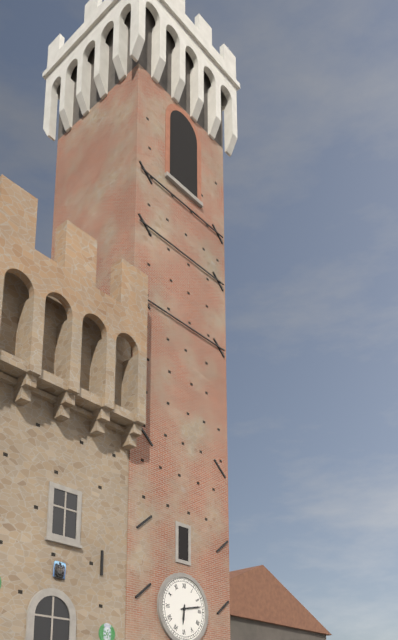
6h13
